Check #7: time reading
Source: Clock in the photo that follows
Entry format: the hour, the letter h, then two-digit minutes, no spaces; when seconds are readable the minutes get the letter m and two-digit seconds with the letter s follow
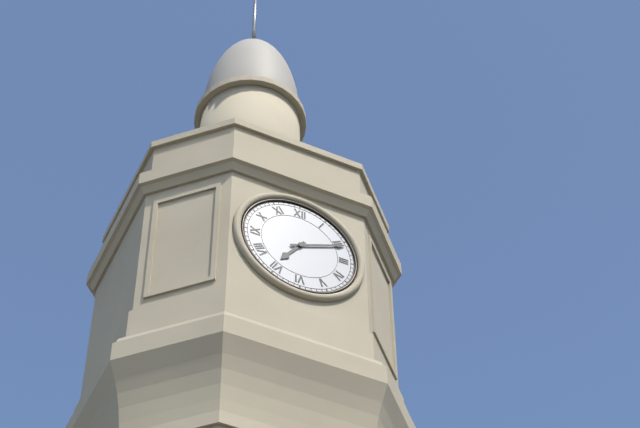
7h11
